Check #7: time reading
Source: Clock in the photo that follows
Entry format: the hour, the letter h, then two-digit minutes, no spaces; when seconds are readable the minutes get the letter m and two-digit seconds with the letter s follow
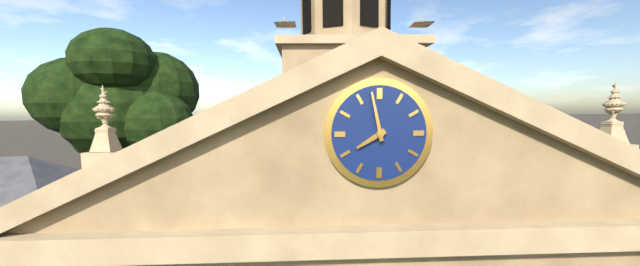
7h58
